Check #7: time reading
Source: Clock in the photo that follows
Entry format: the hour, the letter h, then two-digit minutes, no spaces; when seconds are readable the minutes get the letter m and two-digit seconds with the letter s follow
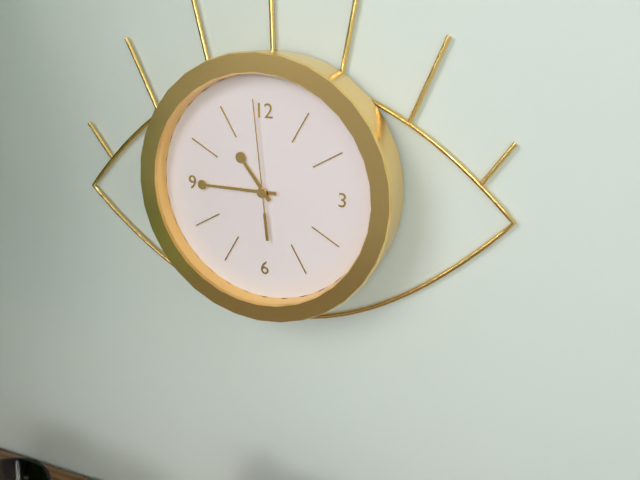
10h45m59s
